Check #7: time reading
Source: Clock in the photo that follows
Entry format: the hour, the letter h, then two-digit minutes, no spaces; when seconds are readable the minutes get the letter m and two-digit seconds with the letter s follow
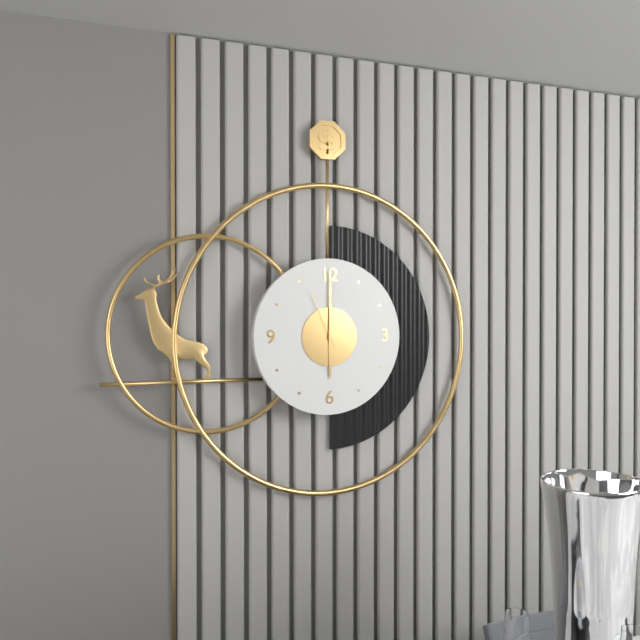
6h00m56s
